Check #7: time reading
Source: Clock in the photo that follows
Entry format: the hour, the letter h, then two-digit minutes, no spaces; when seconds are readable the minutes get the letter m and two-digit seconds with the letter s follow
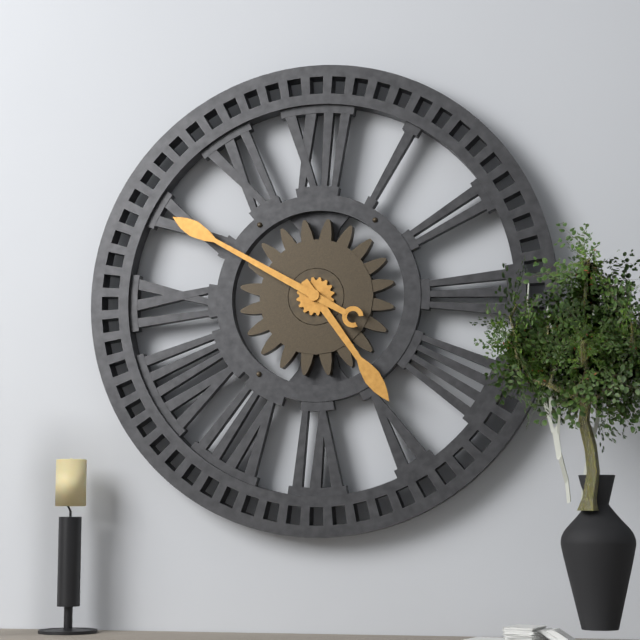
4h50
